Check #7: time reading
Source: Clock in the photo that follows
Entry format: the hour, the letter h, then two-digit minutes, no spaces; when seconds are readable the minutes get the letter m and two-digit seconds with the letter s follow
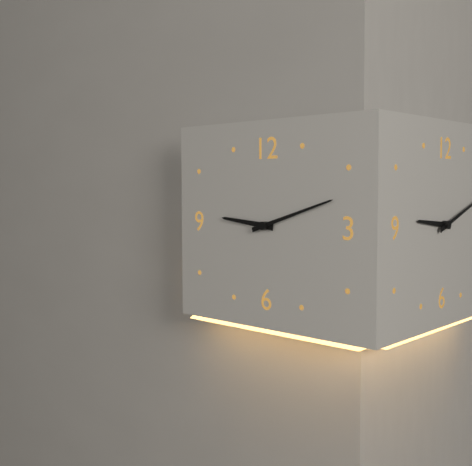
9h12
